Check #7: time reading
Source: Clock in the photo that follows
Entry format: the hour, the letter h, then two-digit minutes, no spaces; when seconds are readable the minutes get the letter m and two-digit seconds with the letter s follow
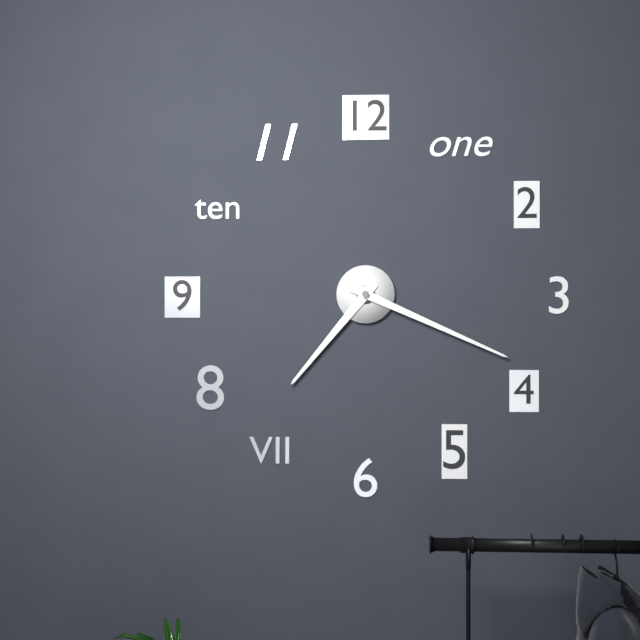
7h19
